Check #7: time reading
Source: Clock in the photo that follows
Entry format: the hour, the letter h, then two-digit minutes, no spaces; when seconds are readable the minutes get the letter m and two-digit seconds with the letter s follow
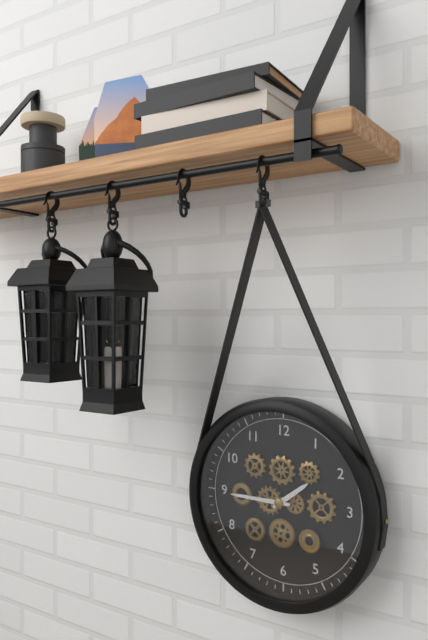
1h45
